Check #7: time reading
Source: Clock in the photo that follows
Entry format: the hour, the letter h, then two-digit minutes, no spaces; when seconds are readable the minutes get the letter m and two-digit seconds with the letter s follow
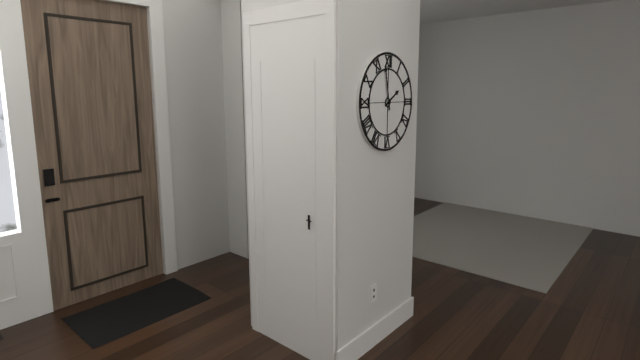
1h58
